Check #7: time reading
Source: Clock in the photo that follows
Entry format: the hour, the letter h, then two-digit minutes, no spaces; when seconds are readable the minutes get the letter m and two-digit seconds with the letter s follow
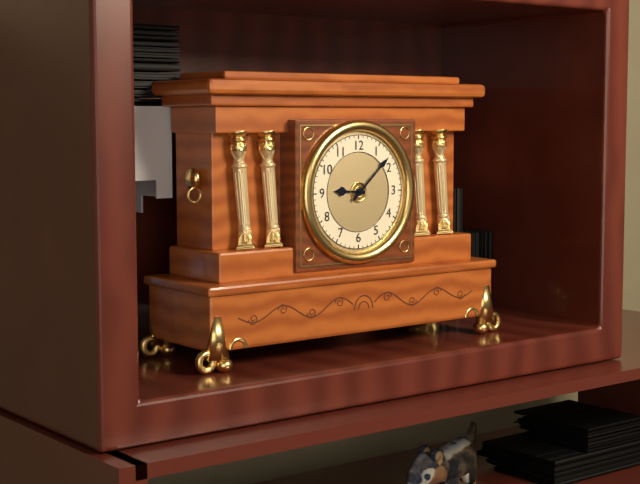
9h08
